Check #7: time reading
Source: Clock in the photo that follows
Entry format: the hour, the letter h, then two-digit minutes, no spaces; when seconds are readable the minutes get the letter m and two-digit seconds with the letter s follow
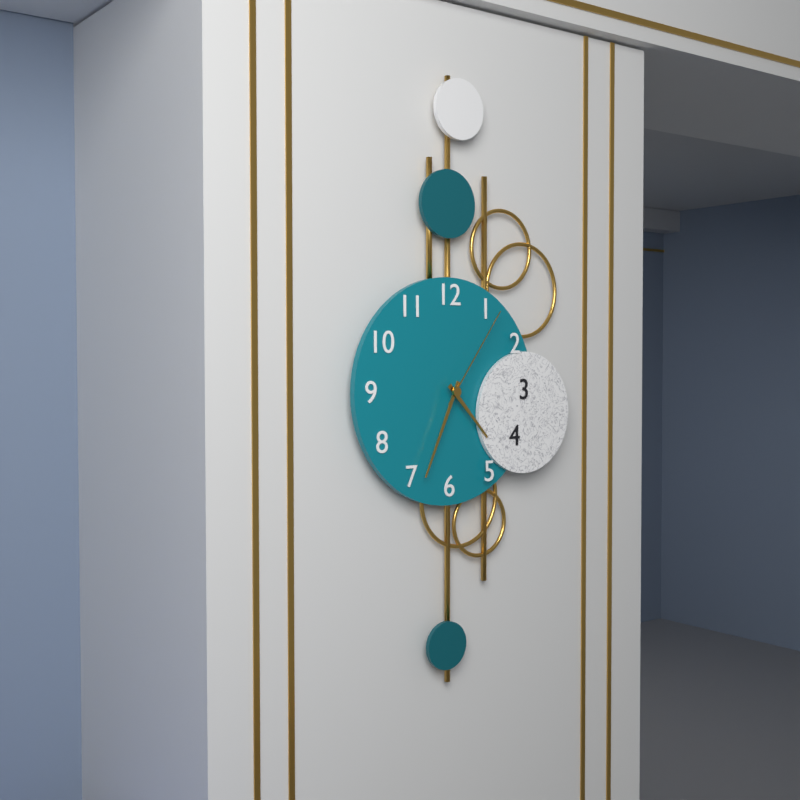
4h34m06s
